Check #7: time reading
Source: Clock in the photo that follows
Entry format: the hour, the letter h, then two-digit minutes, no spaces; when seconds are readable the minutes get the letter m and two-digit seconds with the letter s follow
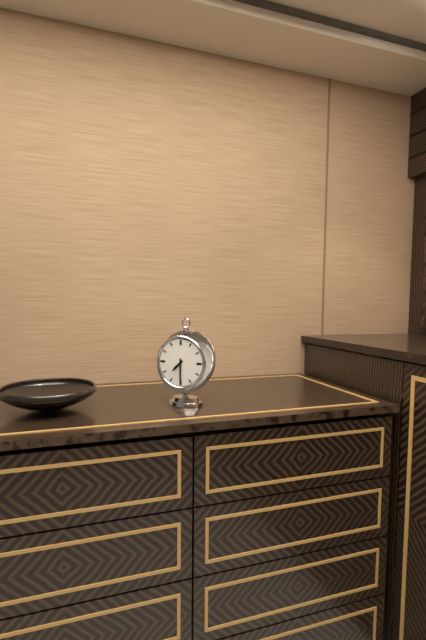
7h30
